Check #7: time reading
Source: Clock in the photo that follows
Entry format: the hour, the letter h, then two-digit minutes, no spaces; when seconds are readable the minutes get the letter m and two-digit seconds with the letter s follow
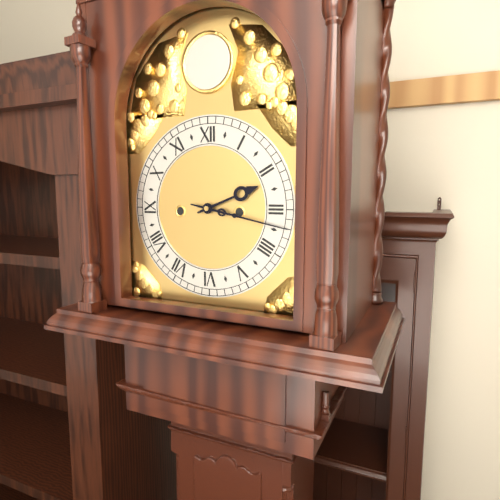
2h17
